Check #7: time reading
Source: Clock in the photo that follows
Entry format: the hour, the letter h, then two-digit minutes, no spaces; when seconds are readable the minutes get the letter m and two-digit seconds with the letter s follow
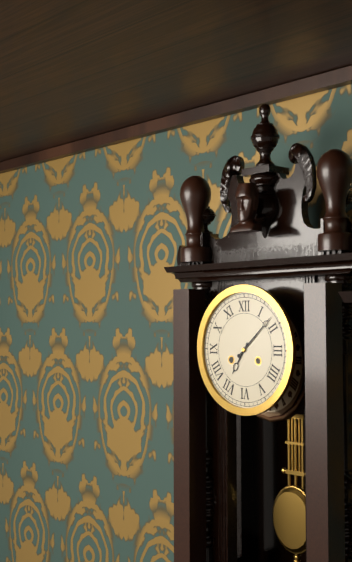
7h08
